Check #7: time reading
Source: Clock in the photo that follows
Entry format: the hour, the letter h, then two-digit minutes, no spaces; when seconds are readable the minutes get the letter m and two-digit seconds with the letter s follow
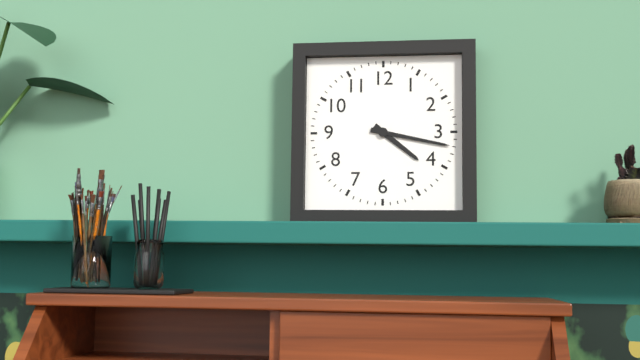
4h17
